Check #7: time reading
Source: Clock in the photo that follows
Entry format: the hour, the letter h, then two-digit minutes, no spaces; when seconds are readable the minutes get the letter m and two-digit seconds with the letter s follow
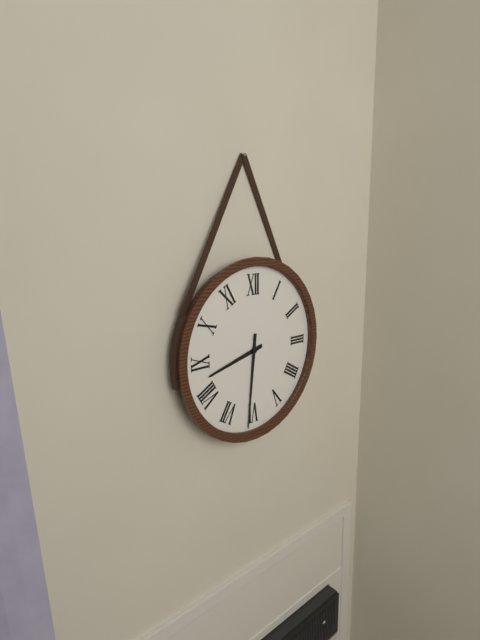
8h31
